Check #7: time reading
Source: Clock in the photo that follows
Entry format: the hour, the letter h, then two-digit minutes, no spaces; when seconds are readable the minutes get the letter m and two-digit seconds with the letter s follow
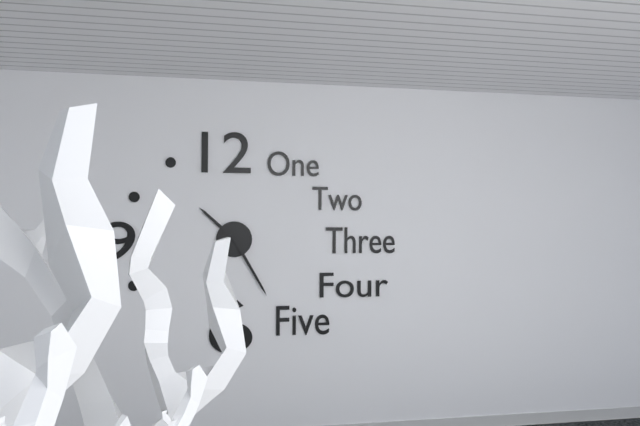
10h25
